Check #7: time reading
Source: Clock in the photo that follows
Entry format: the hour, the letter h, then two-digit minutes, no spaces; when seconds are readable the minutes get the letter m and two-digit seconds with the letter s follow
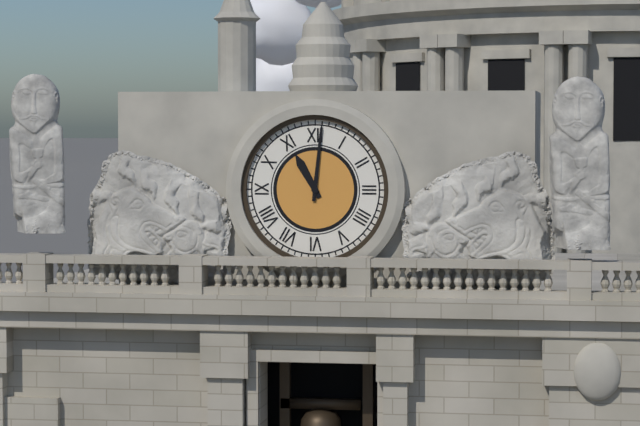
11h01
